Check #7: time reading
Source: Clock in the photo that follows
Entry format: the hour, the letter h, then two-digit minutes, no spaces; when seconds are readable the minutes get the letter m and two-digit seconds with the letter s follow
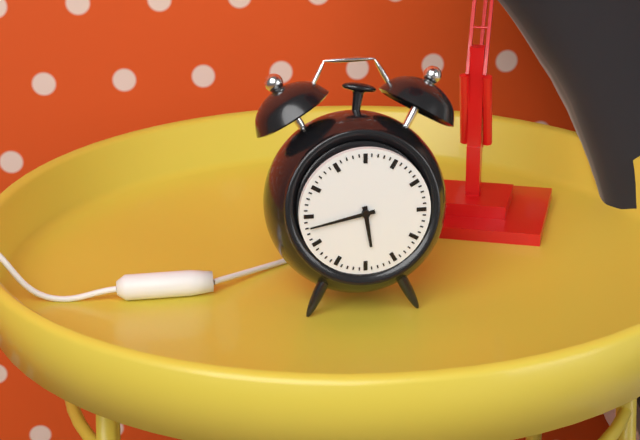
5h43
